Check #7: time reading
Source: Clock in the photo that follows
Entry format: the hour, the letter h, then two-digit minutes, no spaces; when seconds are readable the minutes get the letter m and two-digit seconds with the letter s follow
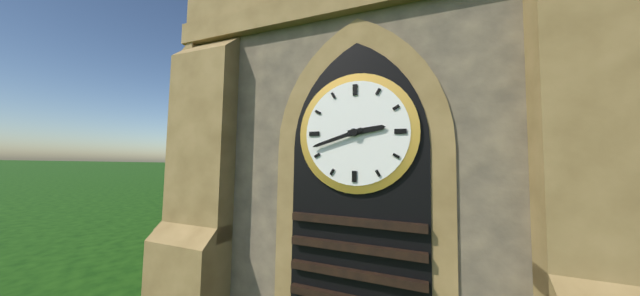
2h42
